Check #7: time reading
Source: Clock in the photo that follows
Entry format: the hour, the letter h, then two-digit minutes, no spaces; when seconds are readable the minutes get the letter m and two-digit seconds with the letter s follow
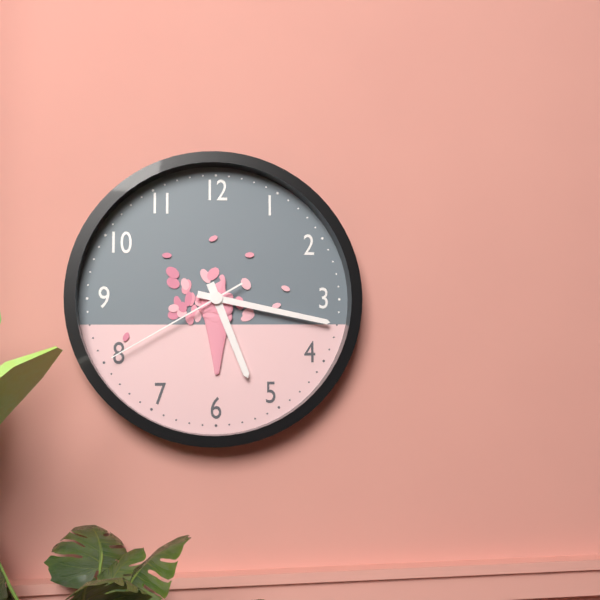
5h17m40s
